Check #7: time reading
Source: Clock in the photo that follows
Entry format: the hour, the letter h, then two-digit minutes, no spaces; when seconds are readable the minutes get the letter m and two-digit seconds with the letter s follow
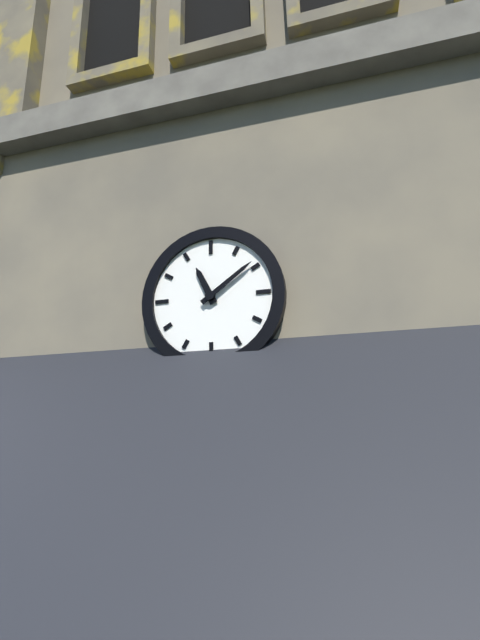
11h09
